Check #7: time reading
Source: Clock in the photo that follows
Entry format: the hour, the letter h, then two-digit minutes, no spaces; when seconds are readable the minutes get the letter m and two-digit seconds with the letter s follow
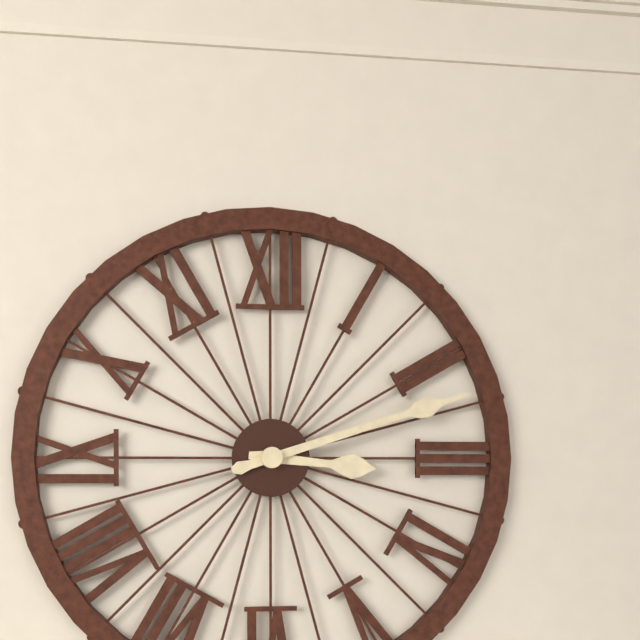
3h12
